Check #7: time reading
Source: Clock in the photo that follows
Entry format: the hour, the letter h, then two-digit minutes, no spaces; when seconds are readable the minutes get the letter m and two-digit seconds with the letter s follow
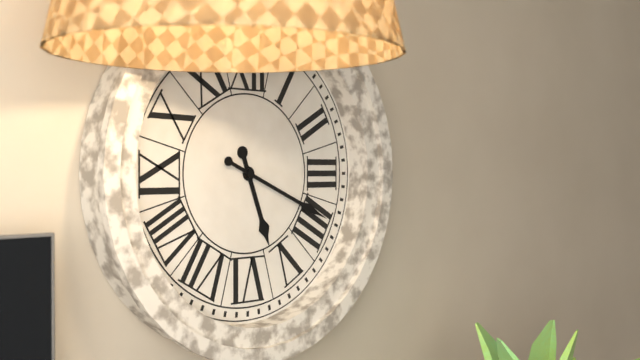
5h19
